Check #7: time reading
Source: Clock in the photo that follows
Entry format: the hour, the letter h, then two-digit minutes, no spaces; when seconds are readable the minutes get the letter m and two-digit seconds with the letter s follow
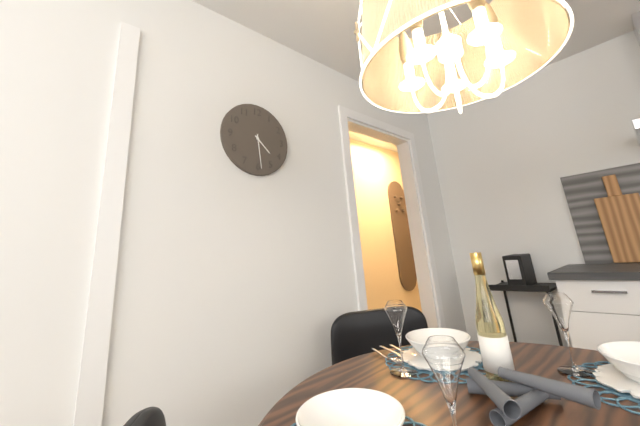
4h29
